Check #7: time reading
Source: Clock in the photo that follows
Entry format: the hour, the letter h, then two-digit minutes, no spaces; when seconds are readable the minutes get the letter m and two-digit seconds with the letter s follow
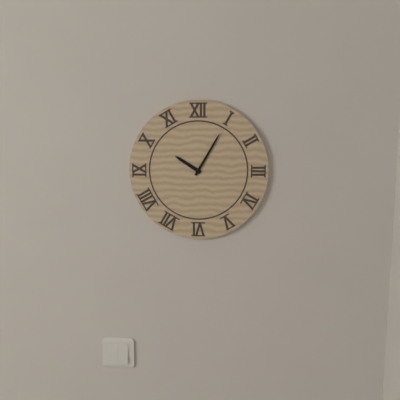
10h05
